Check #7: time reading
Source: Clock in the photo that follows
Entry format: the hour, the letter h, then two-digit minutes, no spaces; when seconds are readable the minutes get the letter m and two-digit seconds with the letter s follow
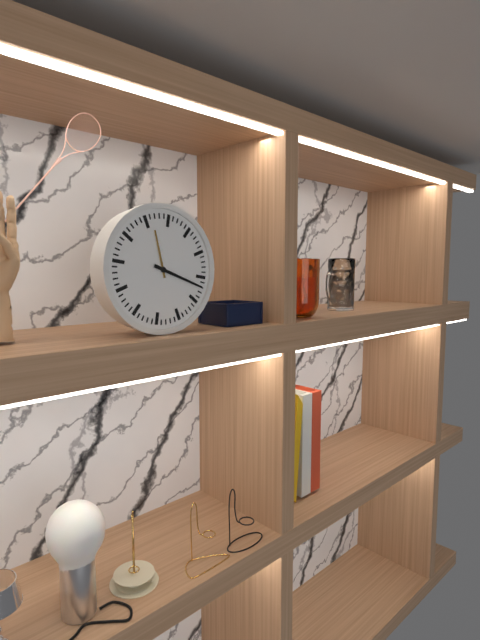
11h17
